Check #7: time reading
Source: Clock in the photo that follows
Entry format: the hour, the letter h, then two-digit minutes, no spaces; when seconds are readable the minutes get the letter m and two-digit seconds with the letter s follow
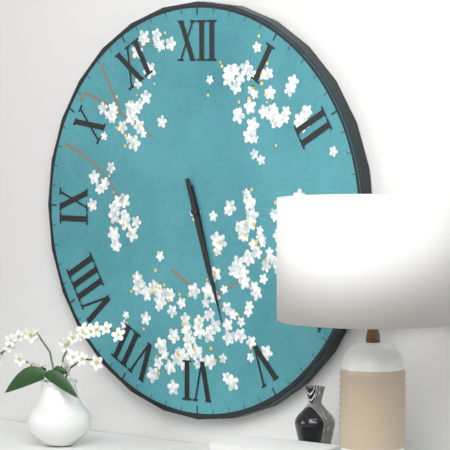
5h27
